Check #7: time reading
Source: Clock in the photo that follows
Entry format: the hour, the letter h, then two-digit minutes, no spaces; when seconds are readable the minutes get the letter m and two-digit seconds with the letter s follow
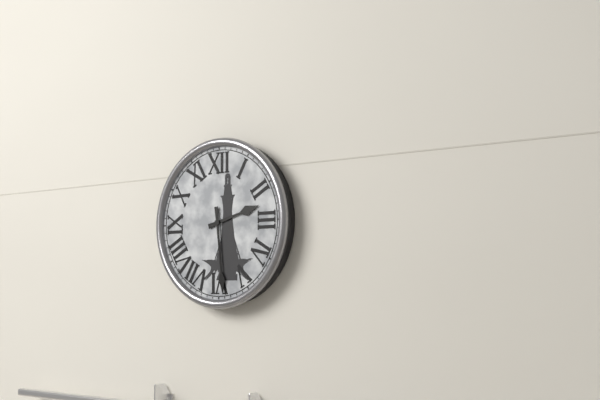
2h29
